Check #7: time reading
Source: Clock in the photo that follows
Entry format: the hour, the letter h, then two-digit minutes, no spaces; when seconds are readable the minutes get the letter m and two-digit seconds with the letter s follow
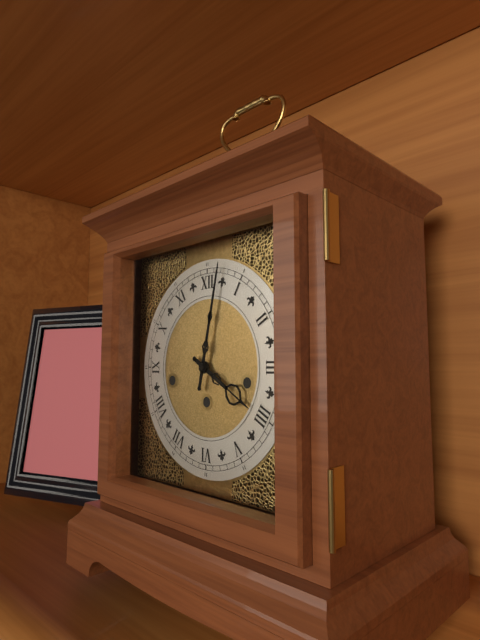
4h02
